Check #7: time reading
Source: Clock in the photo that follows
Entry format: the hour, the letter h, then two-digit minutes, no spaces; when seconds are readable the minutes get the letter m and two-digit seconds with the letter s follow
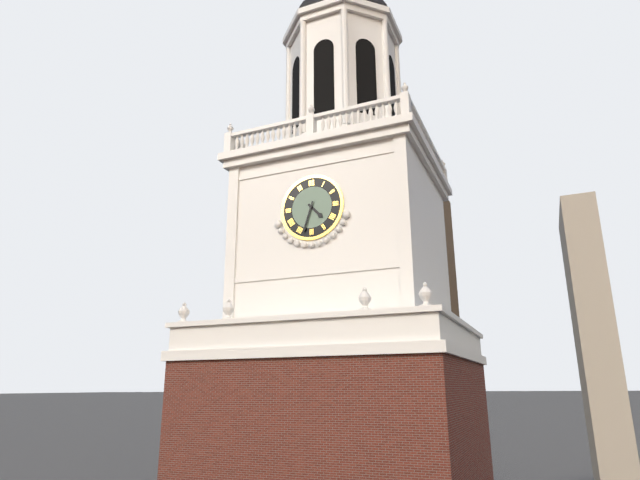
4h33
